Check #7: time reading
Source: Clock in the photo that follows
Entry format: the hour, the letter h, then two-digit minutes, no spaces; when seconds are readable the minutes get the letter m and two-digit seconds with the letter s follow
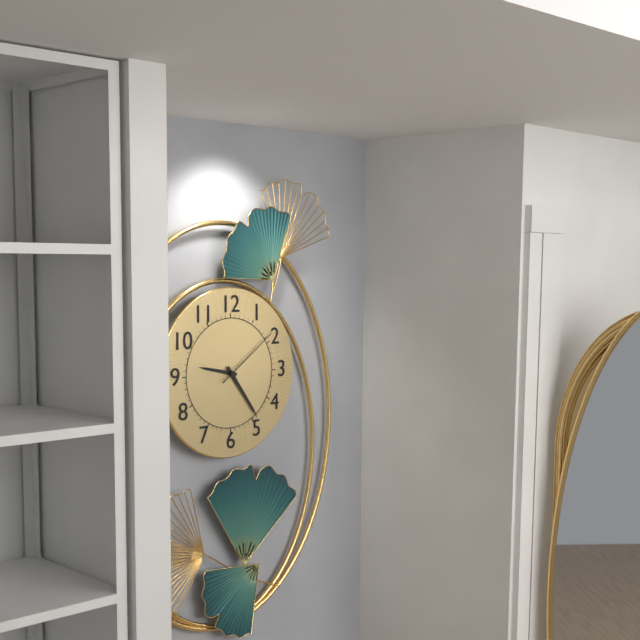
9h24m09s
